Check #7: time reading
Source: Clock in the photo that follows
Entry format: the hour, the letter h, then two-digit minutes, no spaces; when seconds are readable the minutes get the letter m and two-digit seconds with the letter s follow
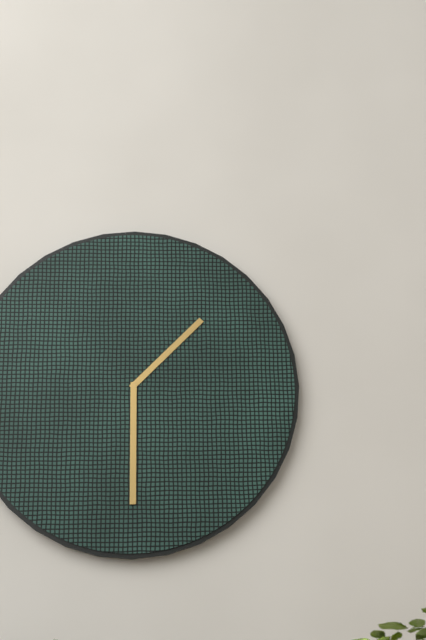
1h30
